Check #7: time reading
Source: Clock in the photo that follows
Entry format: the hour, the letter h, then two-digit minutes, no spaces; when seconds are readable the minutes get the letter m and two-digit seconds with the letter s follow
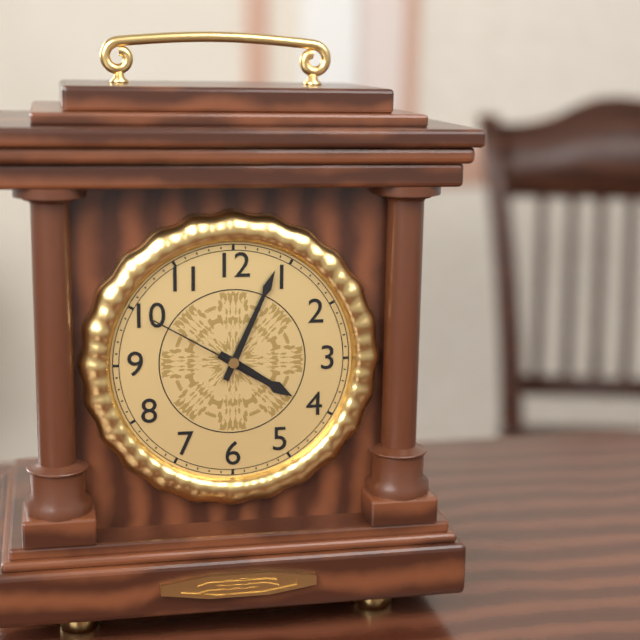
4h04m50s
